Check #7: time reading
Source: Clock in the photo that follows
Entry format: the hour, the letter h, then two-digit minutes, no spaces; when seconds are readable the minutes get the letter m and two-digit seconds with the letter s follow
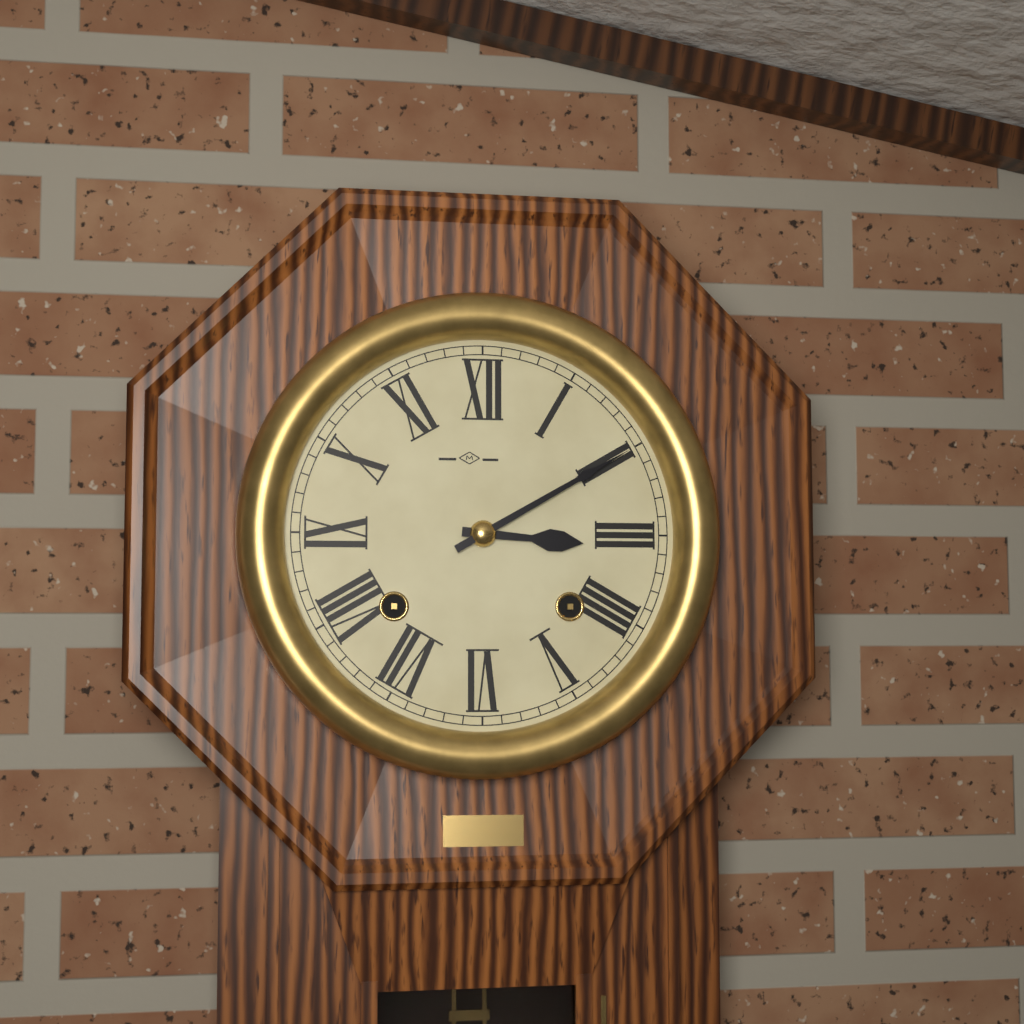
3h10
